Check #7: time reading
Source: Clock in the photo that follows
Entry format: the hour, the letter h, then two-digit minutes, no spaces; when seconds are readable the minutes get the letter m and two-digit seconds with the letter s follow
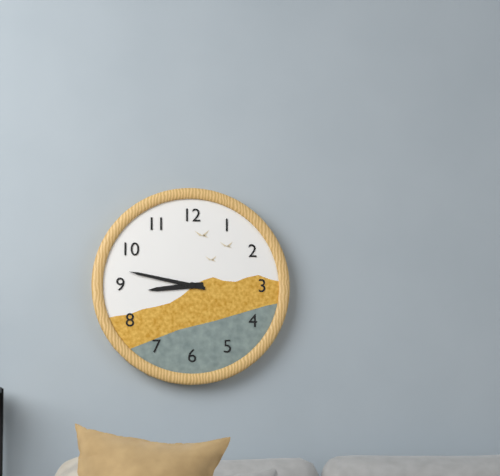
8h47
